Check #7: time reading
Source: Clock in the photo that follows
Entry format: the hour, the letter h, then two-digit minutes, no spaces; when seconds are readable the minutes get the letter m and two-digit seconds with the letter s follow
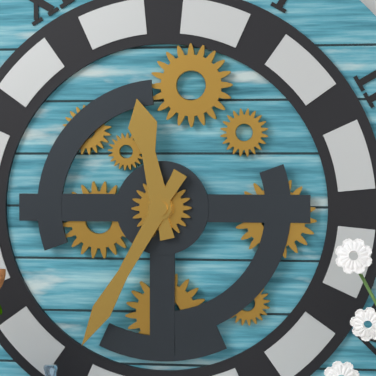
11h35
